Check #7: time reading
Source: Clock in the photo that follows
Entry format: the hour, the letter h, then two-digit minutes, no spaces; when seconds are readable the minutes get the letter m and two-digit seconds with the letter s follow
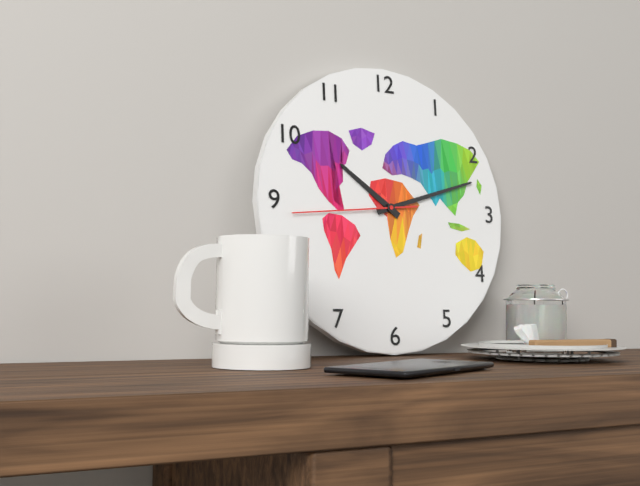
10h12m44s
